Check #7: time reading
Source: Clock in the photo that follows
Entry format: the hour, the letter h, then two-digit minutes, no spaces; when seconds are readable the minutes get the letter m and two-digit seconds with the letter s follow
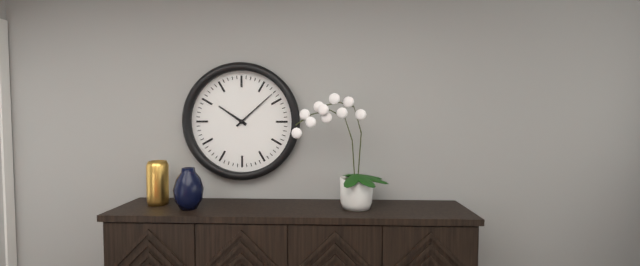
10h08
